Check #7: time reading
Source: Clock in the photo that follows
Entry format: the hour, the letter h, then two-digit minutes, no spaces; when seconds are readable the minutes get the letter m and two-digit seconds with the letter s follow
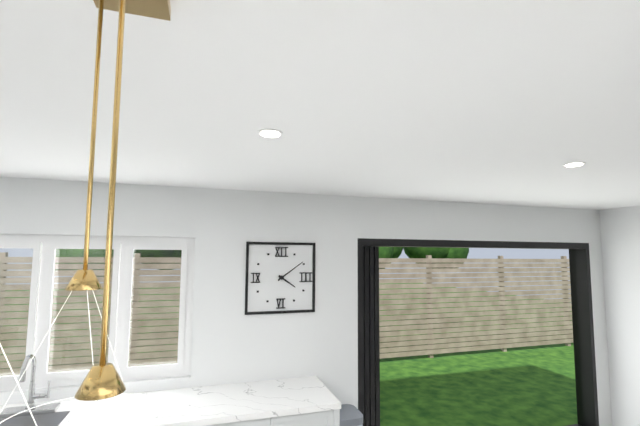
4h09
